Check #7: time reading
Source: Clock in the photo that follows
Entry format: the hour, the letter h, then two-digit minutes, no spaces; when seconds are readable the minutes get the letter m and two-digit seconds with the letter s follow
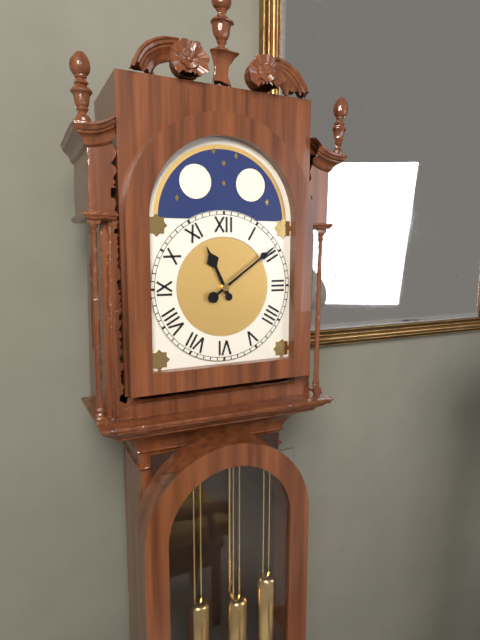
11h09
